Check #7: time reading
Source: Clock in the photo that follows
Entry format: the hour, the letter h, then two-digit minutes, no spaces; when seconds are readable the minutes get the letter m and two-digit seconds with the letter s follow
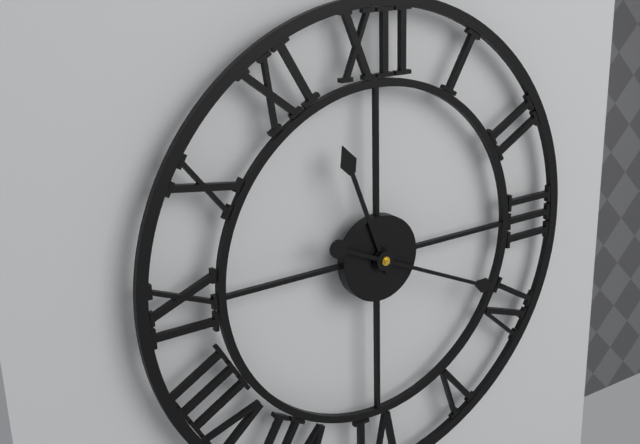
11h19
